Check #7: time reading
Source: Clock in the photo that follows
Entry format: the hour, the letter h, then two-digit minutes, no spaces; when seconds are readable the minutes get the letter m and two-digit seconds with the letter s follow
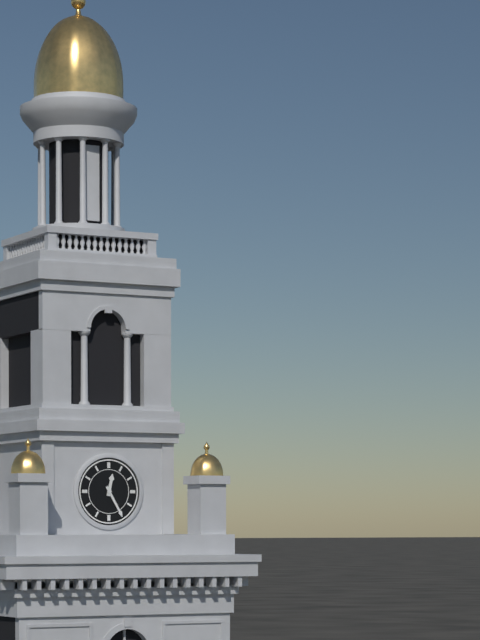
12h25
